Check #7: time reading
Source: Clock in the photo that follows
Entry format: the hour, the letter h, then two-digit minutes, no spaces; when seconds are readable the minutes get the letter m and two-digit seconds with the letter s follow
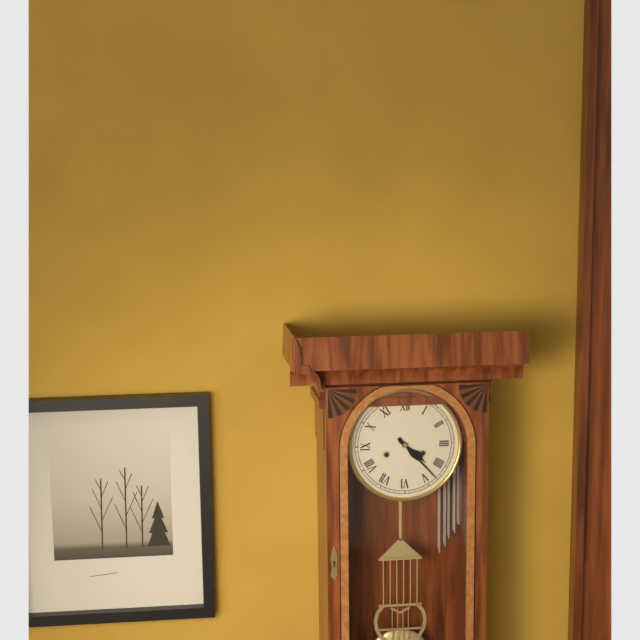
4h23
